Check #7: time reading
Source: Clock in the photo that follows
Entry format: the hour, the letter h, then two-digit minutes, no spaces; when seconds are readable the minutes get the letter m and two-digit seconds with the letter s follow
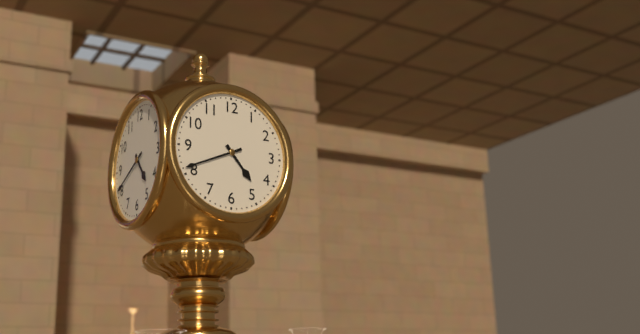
4h41
